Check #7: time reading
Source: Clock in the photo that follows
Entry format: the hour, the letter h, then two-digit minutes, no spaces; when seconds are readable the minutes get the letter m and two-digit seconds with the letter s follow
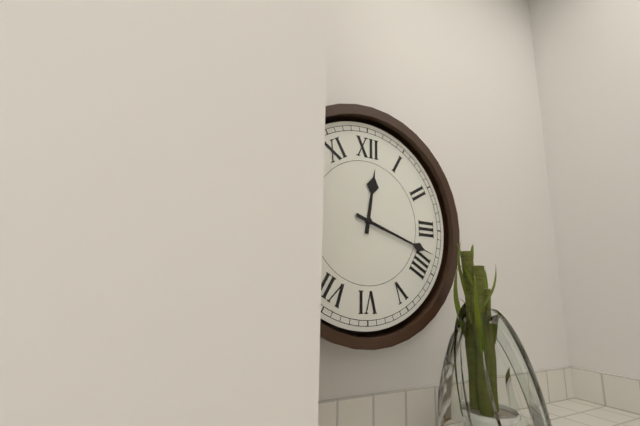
12h18
